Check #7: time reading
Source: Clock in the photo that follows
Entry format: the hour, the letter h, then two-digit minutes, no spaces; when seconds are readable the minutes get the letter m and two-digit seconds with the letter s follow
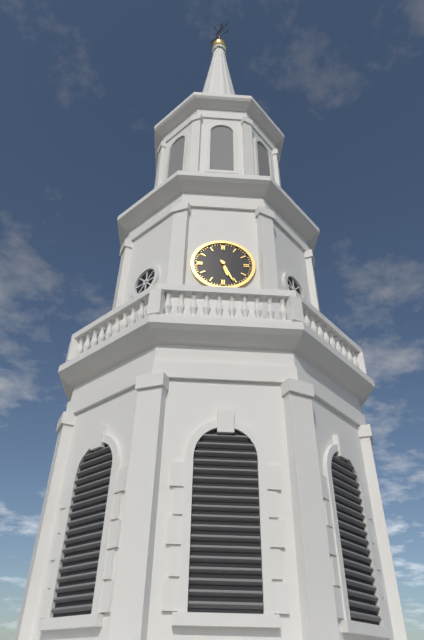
5h26
